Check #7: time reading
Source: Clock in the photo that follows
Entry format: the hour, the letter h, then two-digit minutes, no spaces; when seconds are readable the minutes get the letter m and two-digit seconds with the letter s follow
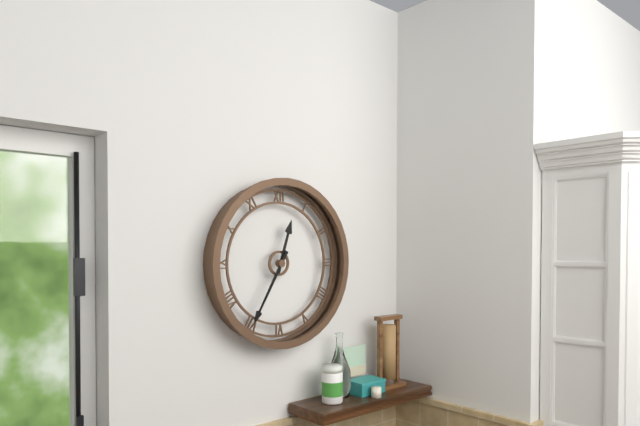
12h35
